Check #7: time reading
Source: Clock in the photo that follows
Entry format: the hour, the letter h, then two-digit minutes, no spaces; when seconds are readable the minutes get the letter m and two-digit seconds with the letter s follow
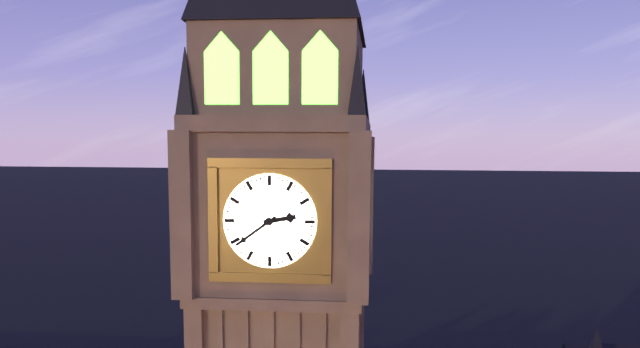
2h39
